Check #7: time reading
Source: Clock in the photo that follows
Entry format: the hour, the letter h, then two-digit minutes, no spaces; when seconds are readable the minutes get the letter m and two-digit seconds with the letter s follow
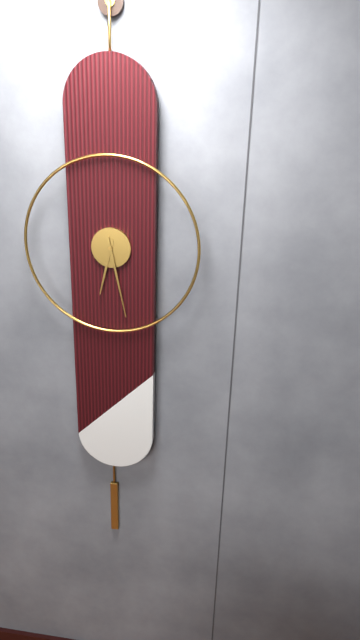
6h28
